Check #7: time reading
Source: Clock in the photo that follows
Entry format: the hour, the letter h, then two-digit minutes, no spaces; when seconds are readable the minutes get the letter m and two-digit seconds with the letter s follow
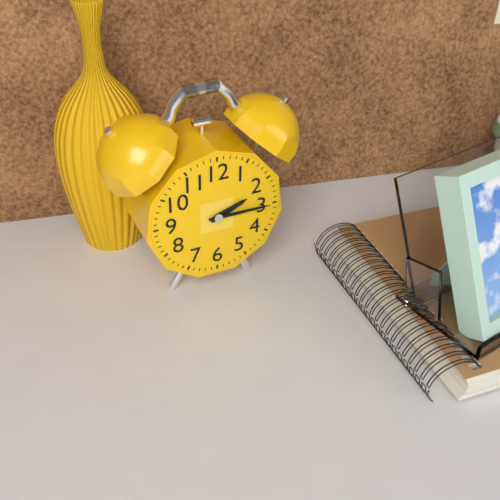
2h15
